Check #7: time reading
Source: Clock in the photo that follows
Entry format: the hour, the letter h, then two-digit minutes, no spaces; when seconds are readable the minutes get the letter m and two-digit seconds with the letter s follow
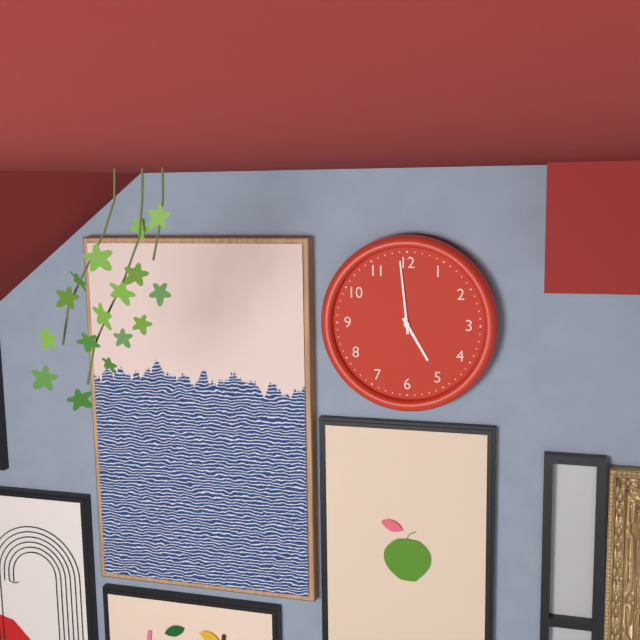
4h59
